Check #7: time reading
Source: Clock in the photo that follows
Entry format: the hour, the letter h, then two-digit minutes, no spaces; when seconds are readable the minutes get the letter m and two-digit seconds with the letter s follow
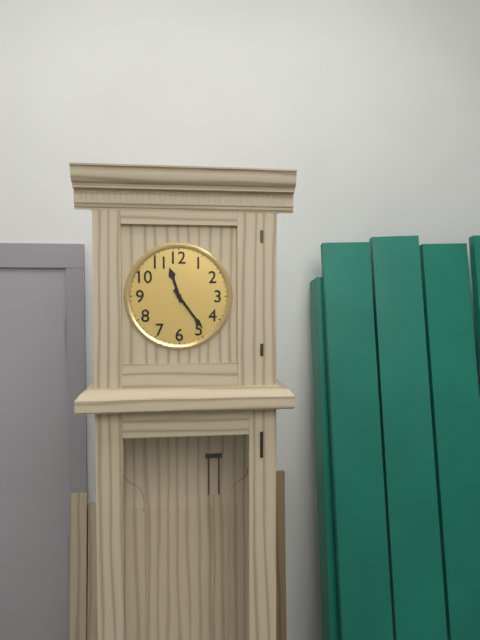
11h24
